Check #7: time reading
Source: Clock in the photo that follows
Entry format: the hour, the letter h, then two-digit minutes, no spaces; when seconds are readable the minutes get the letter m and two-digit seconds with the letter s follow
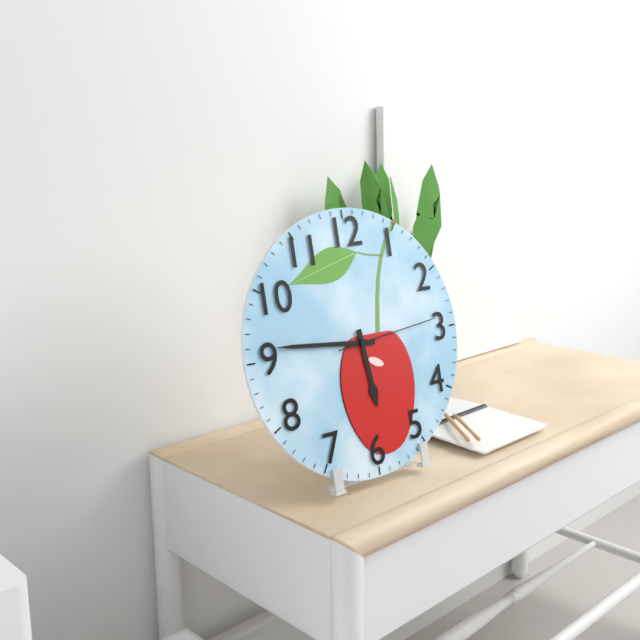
5h46m14s
